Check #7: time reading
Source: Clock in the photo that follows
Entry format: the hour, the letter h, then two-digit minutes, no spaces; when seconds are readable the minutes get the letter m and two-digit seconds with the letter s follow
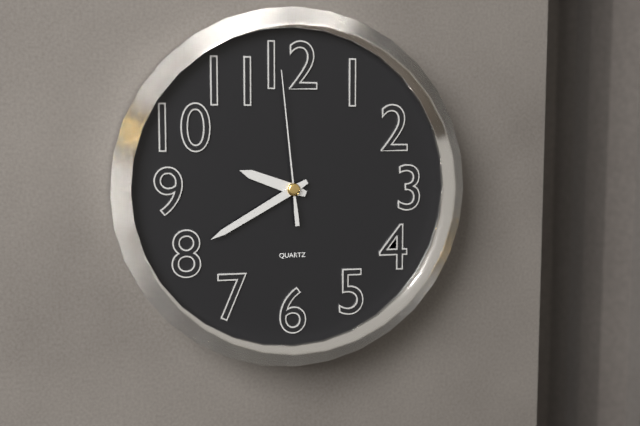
9h40m59s
